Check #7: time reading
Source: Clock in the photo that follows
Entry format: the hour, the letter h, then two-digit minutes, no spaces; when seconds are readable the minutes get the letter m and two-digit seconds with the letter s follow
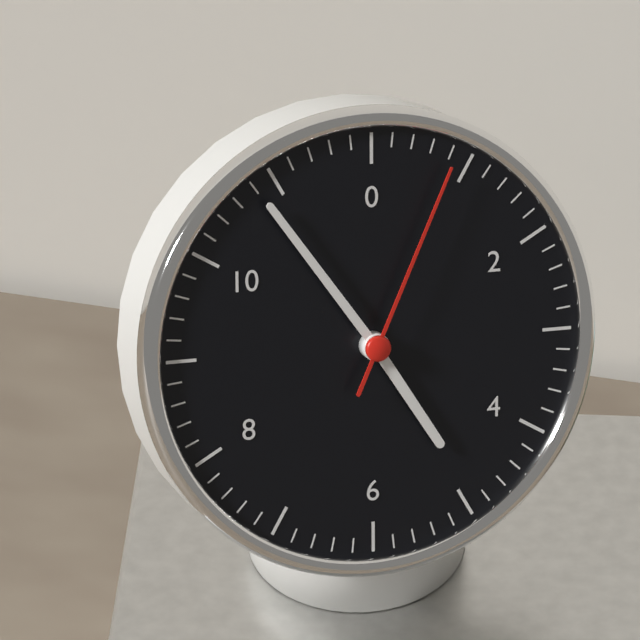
4h54m04s
